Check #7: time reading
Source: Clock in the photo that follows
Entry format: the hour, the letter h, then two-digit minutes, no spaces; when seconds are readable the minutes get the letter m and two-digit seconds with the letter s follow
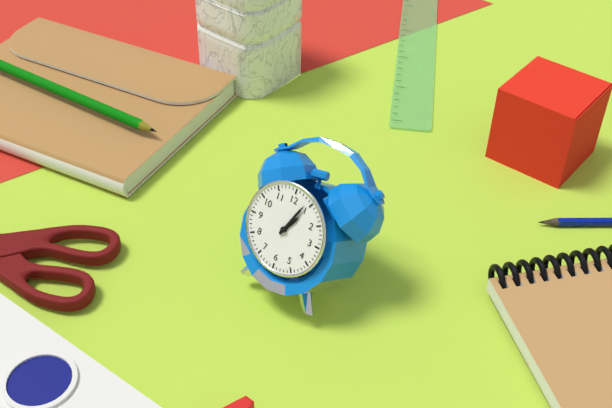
1h04
